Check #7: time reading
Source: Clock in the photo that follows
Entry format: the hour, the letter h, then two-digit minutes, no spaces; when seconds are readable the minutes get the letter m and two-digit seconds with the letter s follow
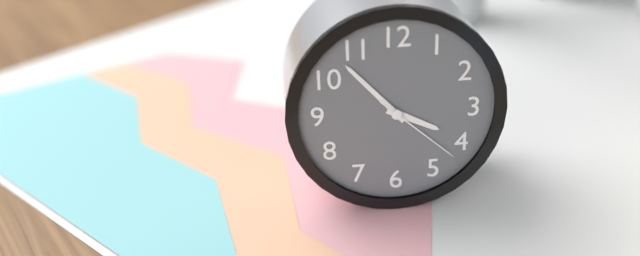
3h53m22s
